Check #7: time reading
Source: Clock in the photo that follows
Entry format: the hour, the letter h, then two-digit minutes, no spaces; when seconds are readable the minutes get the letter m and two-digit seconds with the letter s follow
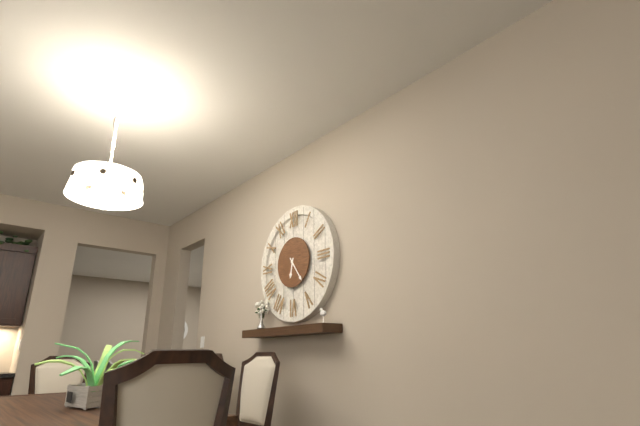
6h24
